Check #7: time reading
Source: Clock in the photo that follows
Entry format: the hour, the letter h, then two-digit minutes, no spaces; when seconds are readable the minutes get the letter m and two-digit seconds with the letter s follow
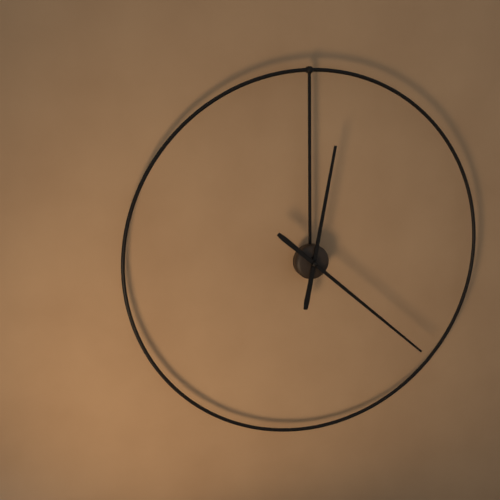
12h22
